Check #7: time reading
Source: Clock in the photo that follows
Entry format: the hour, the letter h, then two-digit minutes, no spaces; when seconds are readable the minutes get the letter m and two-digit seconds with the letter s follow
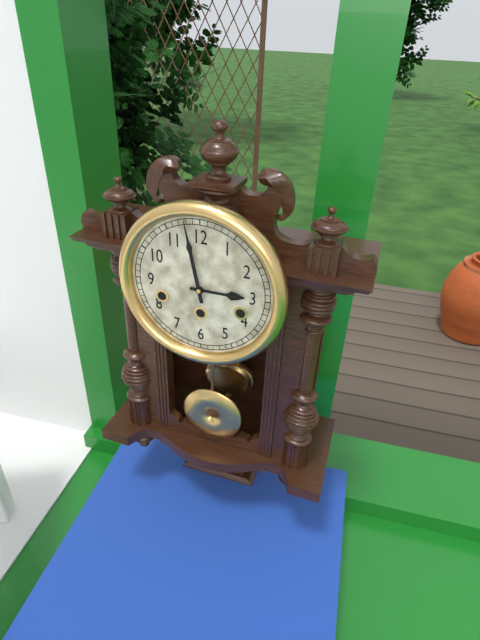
2h58
